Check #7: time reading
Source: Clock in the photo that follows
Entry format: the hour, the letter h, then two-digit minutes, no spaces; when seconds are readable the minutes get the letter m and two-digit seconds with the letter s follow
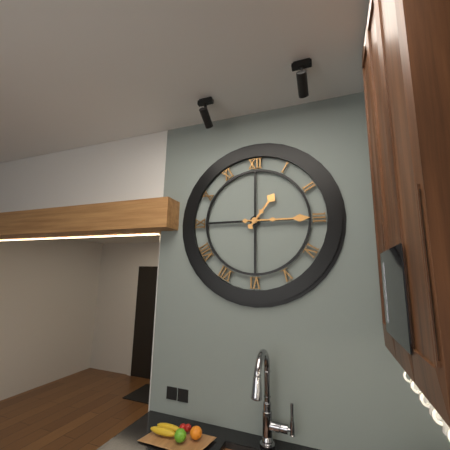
1h15
